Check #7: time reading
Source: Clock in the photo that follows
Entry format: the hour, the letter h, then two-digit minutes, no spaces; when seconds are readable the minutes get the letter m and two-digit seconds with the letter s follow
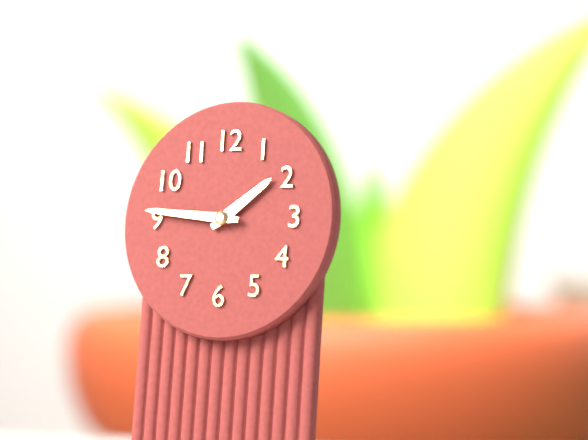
1h46
